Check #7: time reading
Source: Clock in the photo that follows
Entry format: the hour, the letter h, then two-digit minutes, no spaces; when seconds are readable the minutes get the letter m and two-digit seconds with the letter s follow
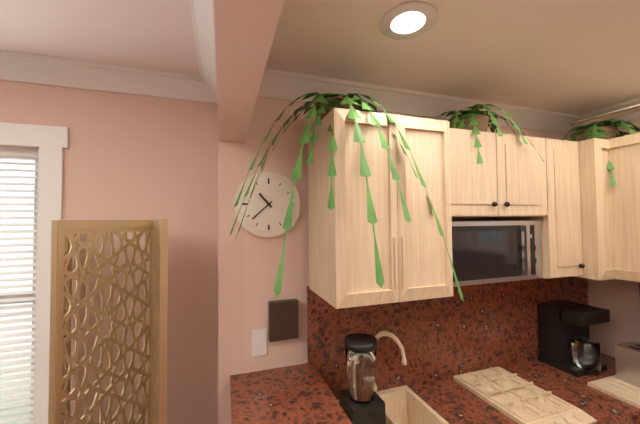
10h38
